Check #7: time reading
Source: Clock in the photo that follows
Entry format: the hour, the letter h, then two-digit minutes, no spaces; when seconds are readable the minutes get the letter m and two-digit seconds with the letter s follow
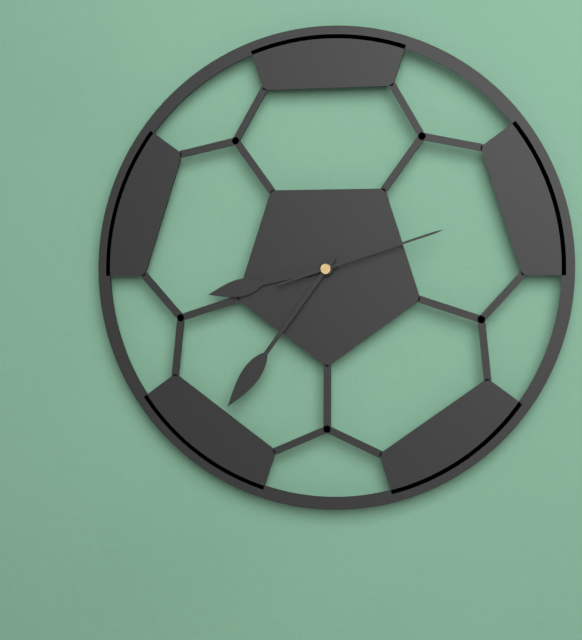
8h36m12s
